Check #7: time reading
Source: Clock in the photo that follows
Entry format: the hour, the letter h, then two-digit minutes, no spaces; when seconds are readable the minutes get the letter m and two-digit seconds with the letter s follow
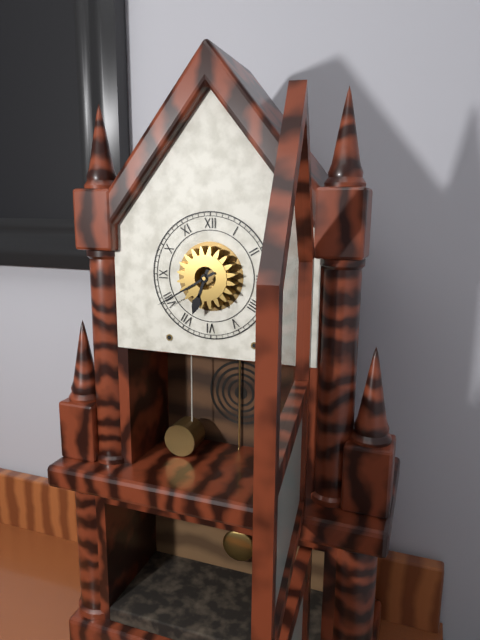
6h40
